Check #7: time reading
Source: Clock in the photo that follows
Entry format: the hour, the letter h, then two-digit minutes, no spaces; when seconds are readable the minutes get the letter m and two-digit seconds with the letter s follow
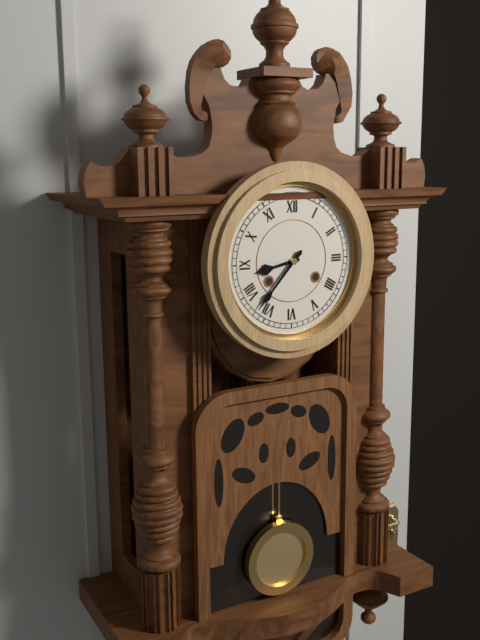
8h37
